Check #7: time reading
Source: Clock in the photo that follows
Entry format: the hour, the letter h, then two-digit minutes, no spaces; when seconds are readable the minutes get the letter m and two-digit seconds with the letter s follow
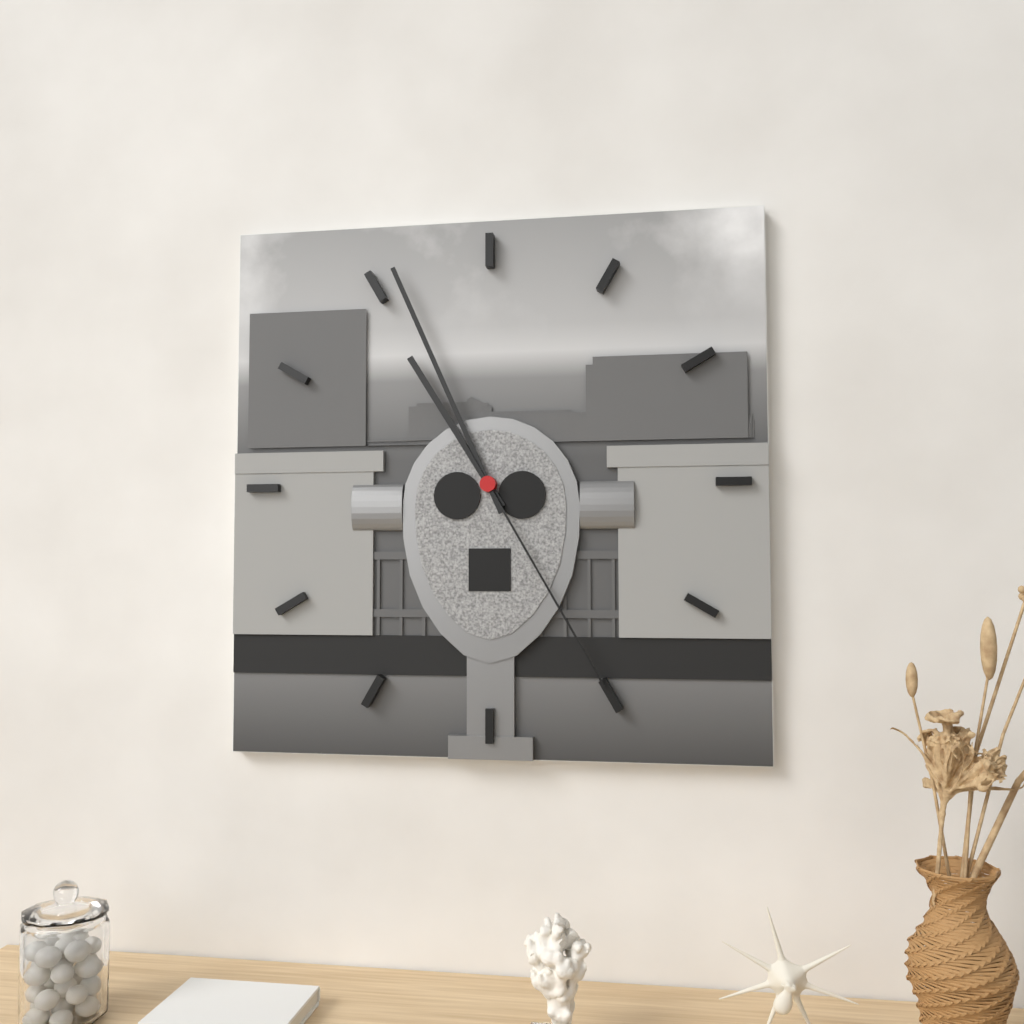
10h56m25s
